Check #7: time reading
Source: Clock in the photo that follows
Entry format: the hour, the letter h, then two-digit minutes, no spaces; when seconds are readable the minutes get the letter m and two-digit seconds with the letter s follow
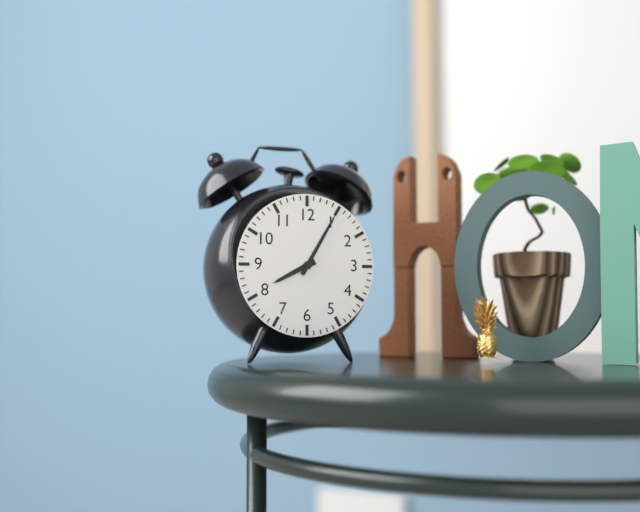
8h05
